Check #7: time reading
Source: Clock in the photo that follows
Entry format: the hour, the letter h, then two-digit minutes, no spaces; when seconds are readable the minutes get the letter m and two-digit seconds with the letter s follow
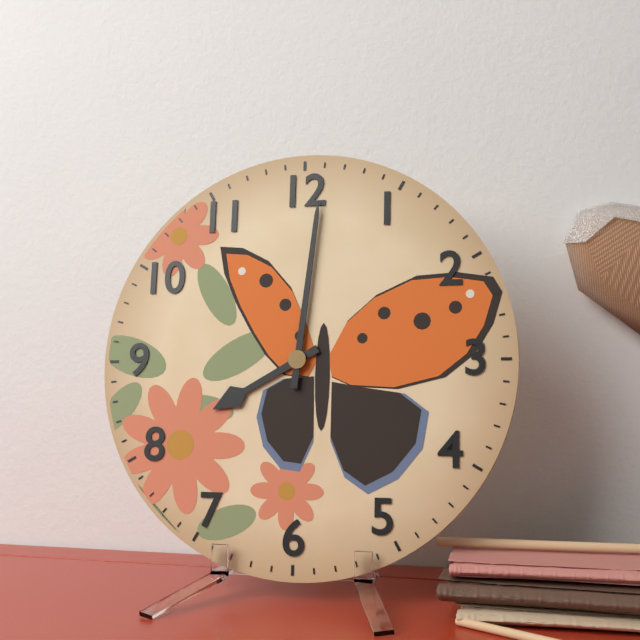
8h01
